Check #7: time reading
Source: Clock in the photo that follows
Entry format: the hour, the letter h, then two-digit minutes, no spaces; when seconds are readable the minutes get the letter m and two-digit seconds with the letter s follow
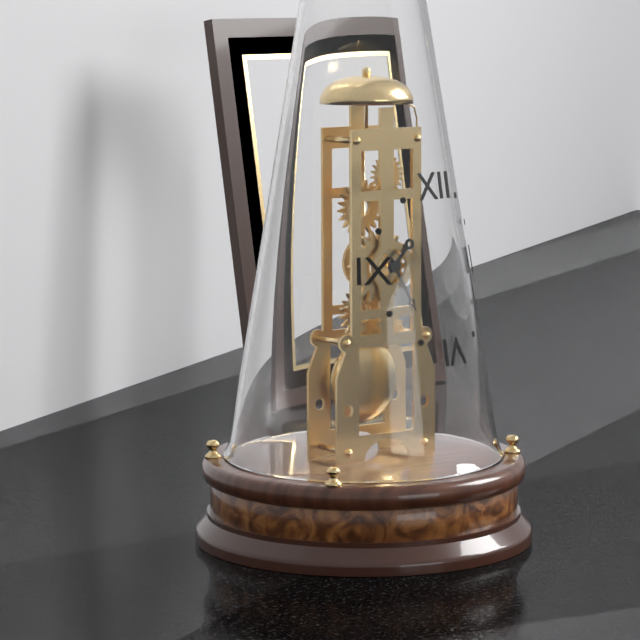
1h25
